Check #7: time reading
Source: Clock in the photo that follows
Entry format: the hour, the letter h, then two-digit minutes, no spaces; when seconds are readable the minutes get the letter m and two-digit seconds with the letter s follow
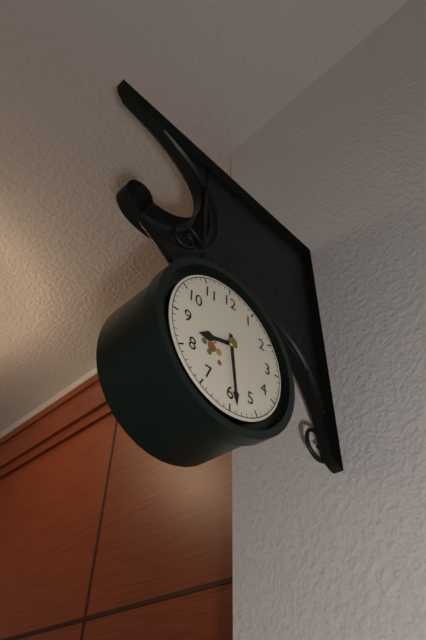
8h29
